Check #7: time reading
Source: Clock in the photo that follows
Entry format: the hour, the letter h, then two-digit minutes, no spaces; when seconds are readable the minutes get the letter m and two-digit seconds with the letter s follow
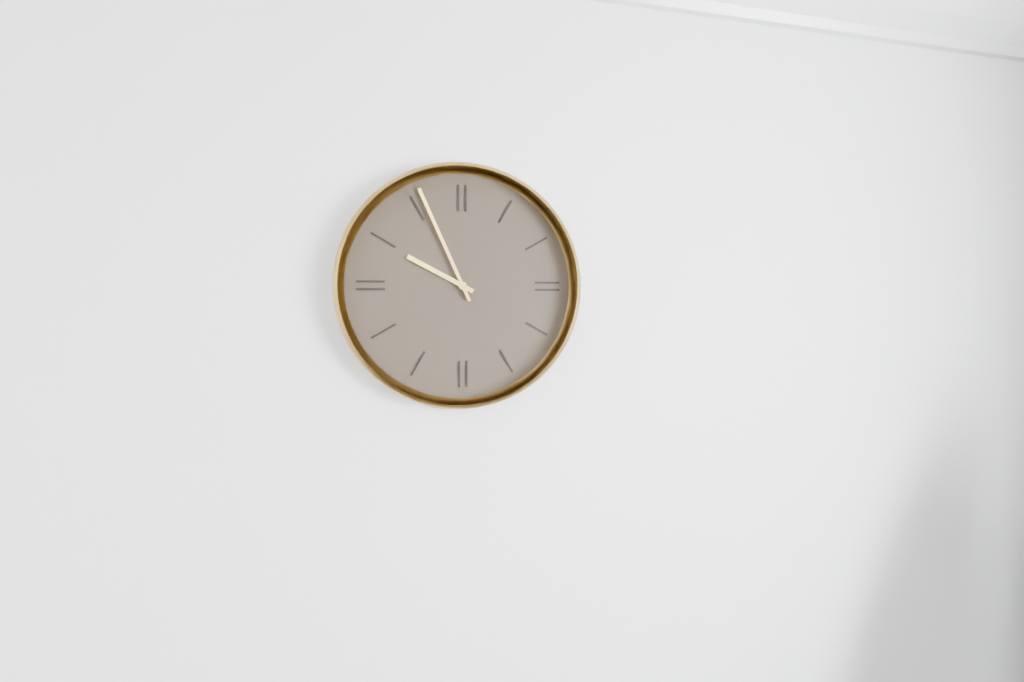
9h56
